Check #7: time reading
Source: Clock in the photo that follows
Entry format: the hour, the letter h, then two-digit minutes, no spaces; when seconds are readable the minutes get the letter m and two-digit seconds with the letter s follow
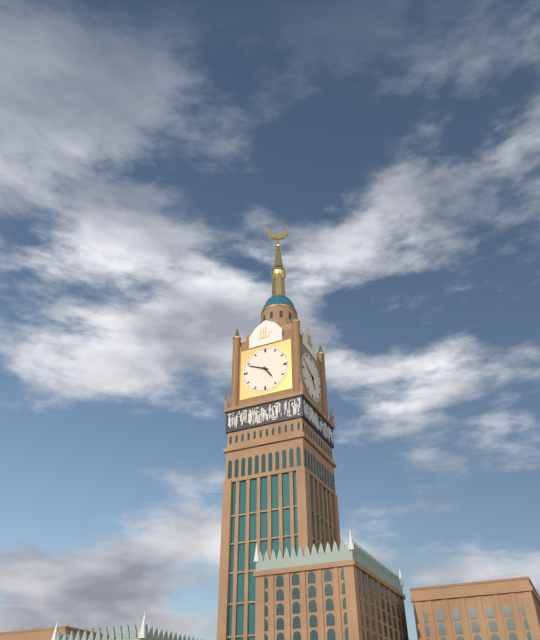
4h49
